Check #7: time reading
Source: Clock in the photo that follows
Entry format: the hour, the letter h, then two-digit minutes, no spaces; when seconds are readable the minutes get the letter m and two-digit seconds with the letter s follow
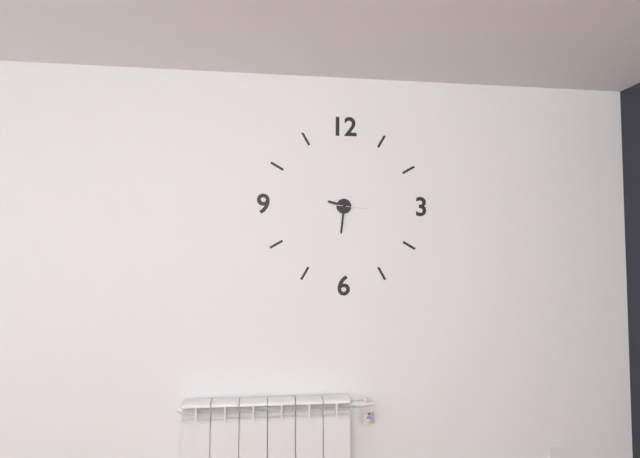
9h31
